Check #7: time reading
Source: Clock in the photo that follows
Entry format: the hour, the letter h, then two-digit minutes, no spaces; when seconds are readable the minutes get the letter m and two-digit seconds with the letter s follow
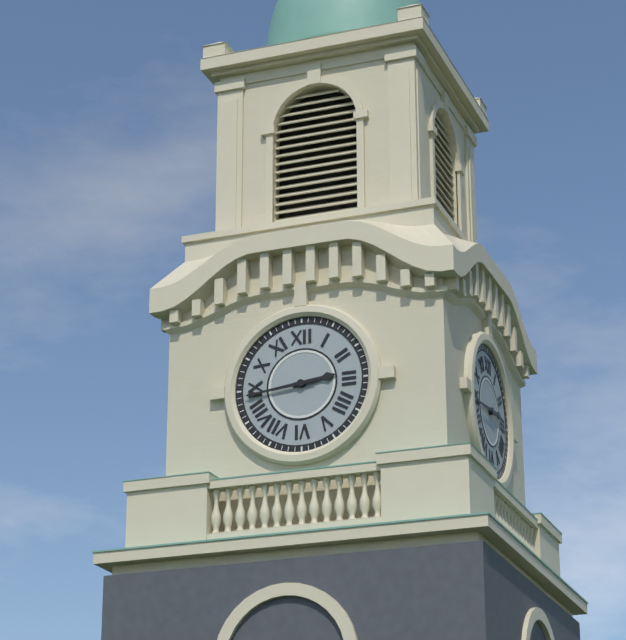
2h44
